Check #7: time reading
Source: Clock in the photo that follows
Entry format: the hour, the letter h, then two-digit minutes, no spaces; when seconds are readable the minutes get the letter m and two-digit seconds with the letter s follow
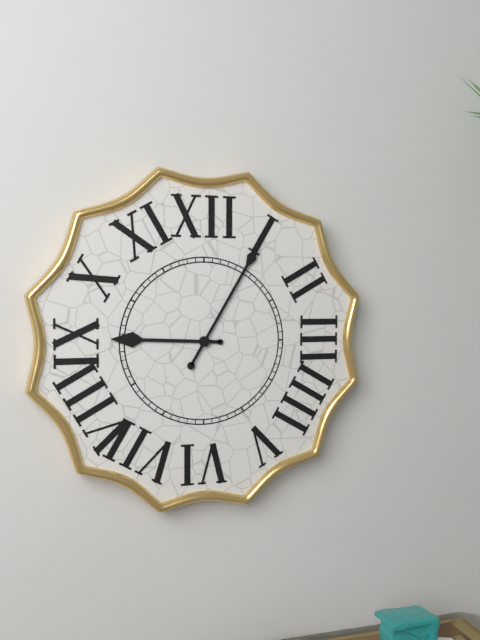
9h05
